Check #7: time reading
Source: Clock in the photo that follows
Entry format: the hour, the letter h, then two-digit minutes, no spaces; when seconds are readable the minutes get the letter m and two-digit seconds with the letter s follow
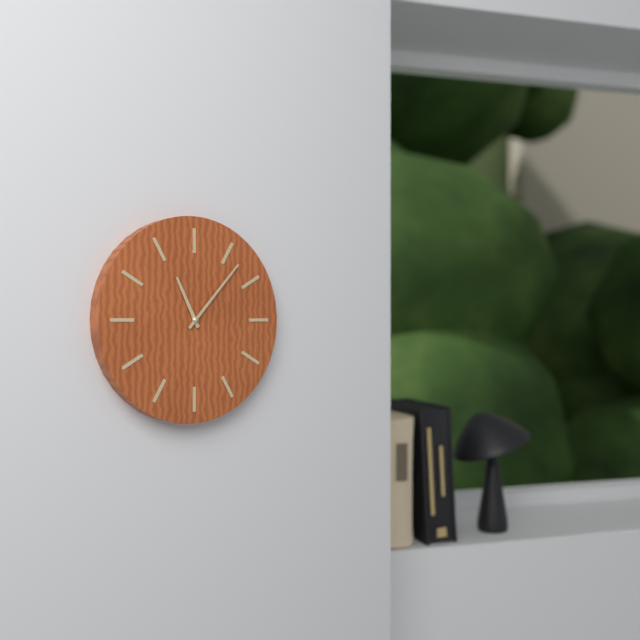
11h07
